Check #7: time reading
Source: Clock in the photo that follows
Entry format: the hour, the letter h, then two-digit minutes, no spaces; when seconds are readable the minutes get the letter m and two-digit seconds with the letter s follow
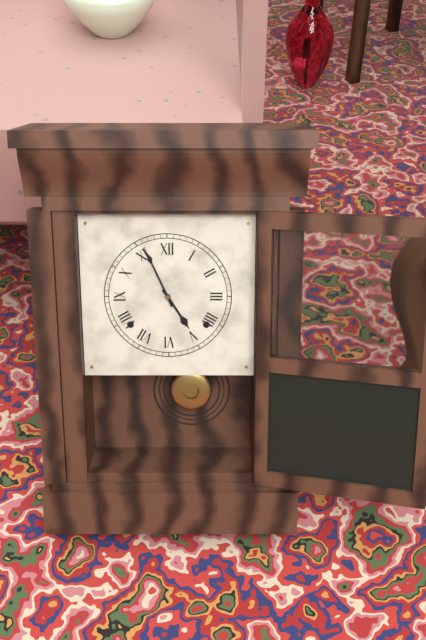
4h56
